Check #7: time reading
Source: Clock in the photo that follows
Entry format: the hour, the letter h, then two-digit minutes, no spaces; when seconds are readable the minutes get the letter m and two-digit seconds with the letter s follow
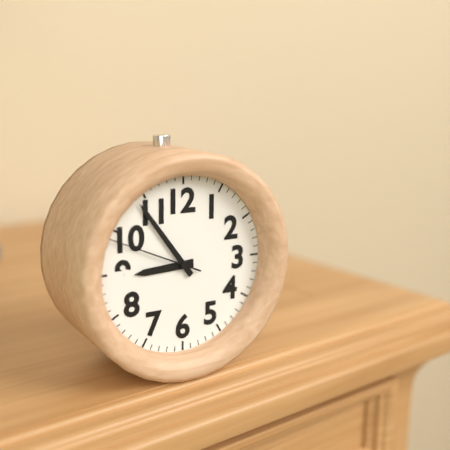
8h54m49s
